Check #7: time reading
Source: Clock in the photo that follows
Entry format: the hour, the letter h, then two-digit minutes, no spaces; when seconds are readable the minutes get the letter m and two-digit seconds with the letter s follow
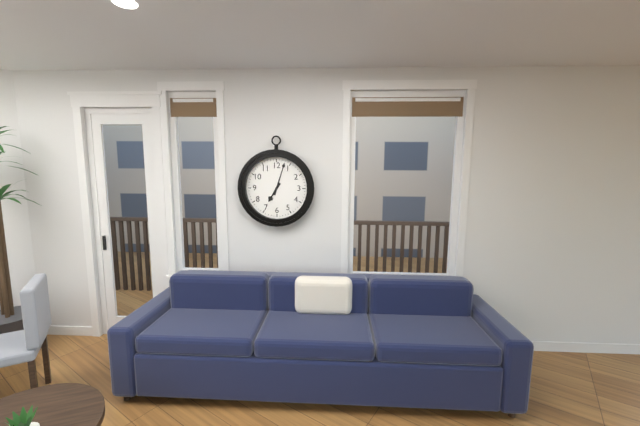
7h03
